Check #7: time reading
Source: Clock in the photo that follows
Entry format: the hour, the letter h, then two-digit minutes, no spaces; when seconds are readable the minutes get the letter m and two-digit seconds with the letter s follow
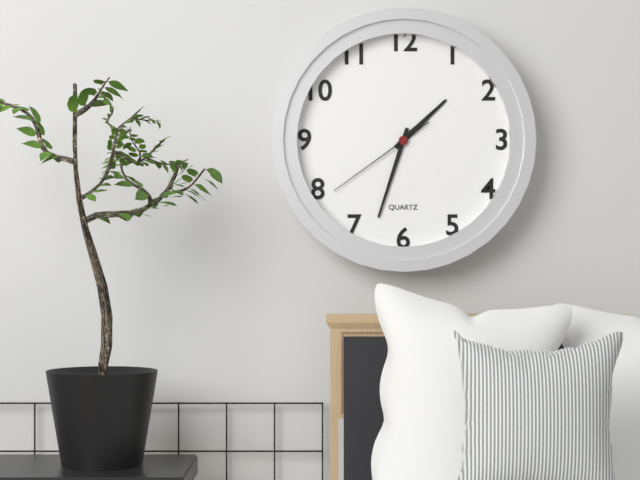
1h33m39s
